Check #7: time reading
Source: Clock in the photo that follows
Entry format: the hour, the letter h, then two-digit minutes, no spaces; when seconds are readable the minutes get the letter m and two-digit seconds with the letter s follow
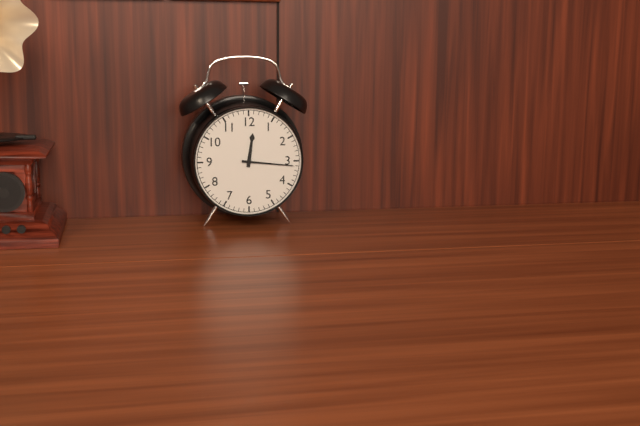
12h16
